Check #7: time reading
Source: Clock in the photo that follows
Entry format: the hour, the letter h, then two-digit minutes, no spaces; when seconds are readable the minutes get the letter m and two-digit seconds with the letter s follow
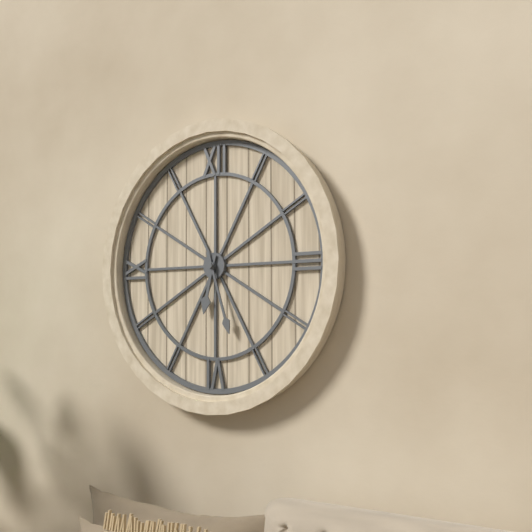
6h27
